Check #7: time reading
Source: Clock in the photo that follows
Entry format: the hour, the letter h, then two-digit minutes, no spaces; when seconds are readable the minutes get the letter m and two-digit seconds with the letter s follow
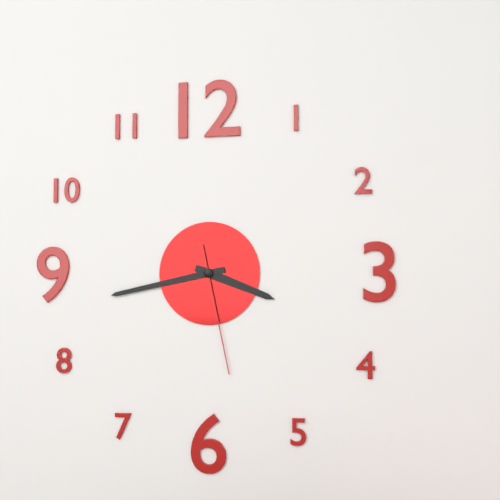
3h43m28s
